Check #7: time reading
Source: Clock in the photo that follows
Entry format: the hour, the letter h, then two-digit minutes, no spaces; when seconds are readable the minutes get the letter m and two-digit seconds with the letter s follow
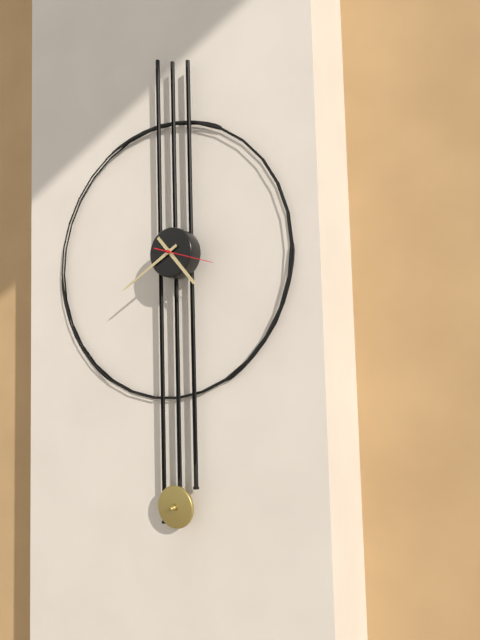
4h40m18s
